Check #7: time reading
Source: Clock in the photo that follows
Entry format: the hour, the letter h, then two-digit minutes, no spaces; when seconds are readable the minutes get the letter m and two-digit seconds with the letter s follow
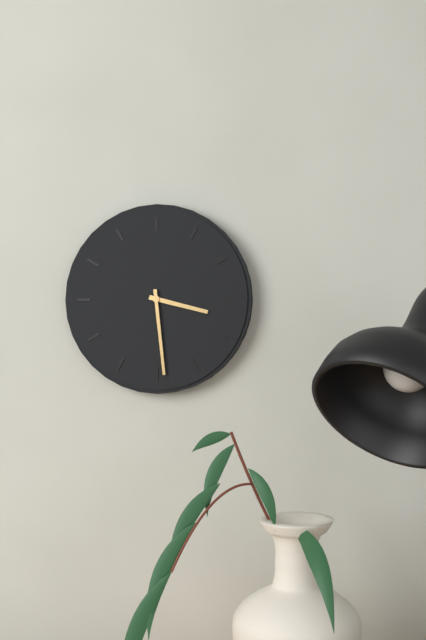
3h29
